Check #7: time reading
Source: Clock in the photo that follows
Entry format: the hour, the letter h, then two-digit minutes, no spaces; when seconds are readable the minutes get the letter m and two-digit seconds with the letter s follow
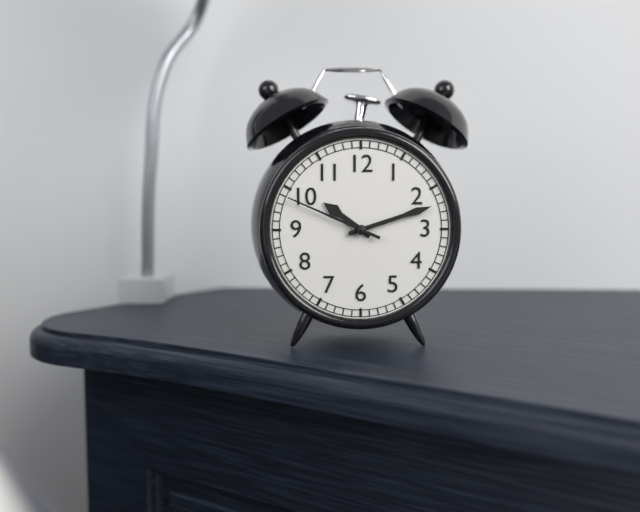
10h12m49s
